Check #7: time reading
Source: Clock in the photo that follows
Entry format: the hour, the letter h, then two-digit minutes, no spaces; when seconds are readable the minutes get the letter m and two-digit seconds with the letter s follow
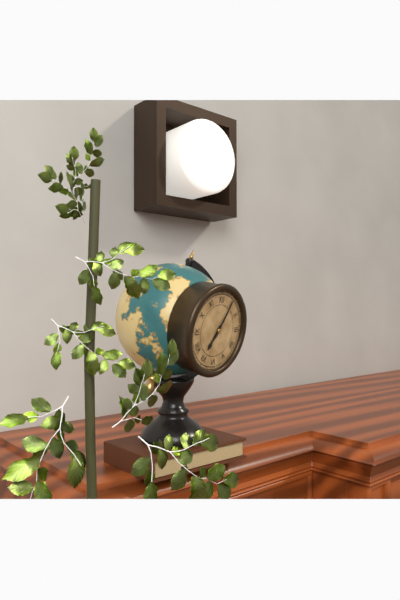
7h05
